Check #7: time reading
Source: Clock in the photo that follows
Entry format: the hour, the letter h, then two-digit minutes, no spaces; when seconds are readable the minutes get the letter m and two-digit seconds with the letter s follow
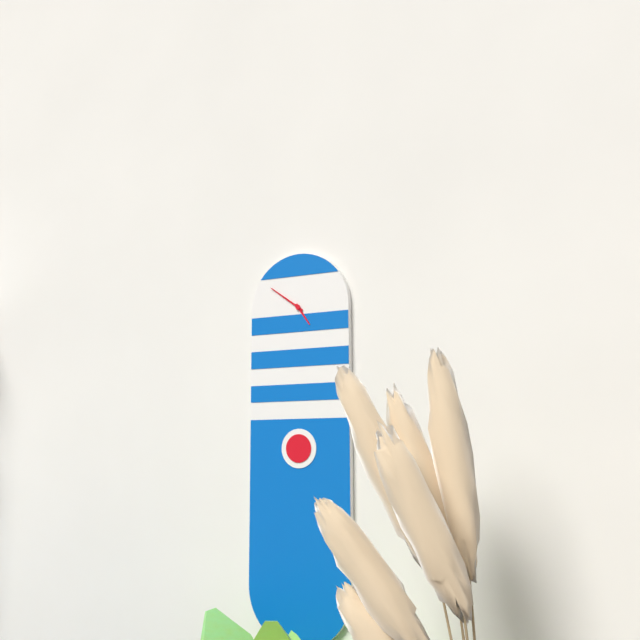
4h51
